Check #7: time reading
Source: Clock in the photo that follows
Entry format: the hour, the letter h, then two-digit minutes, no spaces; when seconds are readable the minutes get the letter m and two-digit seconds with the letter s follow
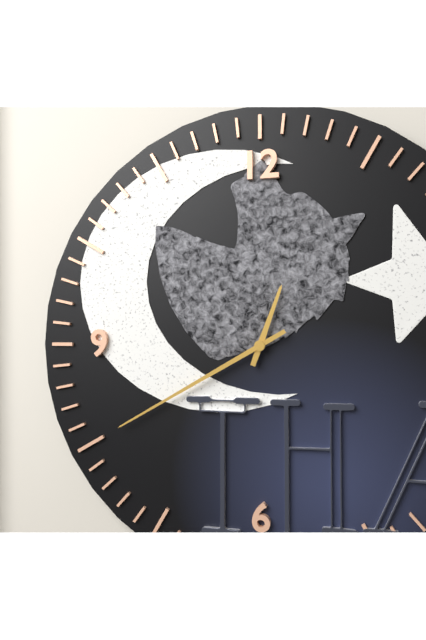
12h40
